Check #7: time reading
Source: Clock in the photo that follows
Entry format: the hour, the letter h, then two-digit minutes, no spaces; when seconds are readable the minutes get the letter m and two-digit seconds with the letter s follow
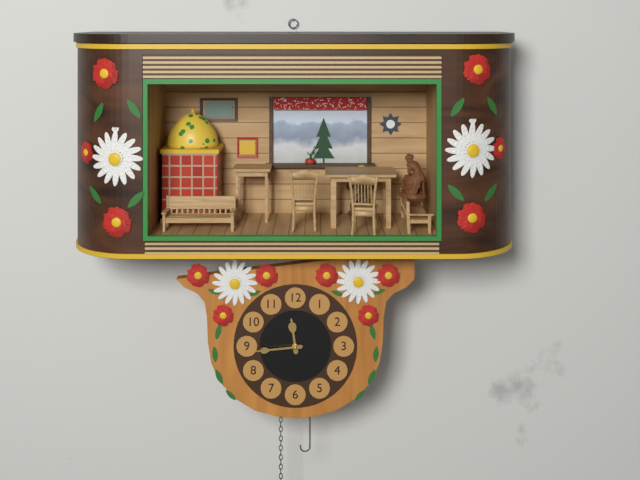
11h44
